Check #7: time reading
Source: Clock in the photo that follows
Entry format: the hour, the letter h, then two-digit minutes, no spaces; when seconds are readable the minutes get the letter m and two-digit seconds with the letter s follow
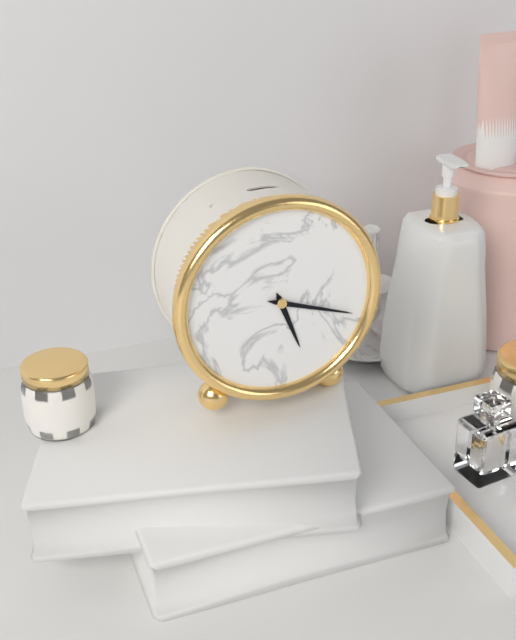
5h18
